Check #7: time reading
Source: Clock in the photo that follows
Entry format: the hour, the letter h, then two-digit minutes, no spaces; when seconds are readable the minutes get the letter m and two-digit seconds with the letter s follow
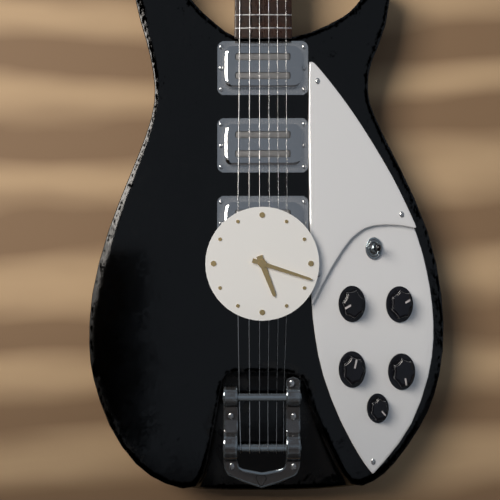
5h18
